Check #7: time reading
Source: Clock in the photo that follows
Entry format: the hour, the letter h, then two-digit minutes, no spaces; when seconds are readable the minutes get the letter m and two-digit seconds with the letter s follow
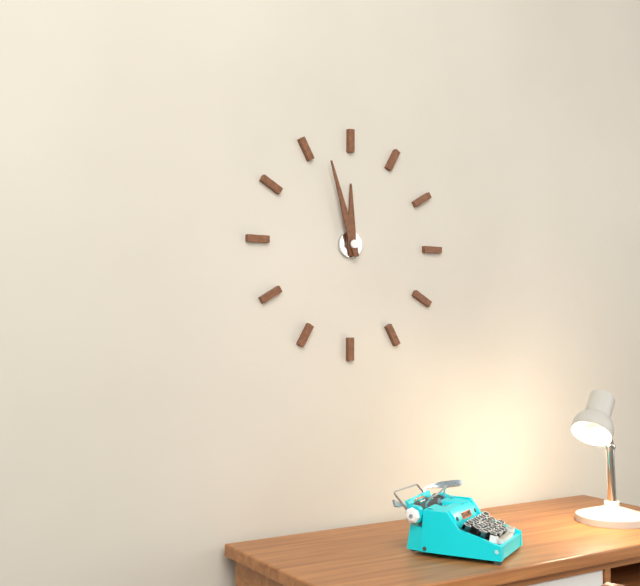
11h57
